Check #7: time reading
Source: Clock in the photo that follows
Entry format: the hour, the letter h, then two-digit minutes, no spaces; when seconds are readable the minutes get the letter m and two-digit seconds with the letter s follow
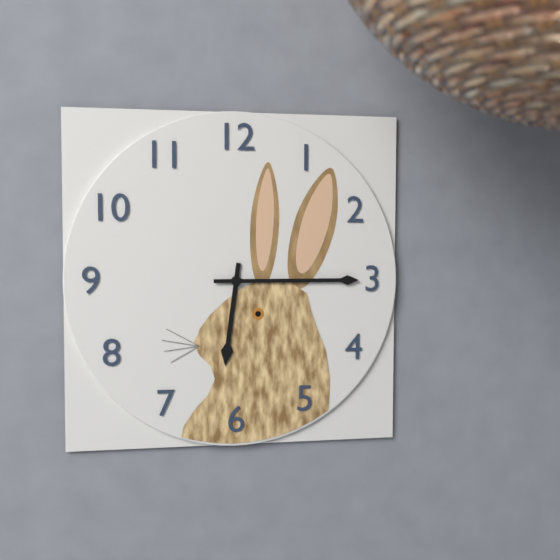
6h15
